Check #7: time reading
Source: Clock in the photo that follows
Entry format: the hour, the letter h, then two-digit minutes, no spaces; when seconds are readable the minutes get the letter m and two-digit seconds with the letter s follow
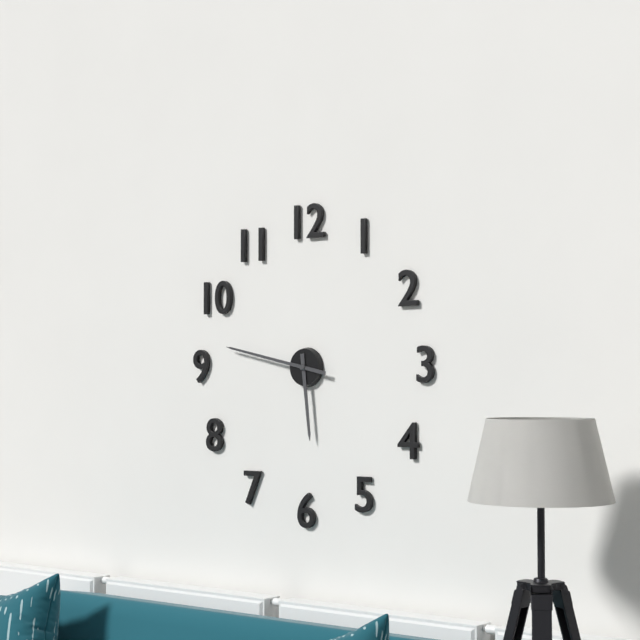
5h47
